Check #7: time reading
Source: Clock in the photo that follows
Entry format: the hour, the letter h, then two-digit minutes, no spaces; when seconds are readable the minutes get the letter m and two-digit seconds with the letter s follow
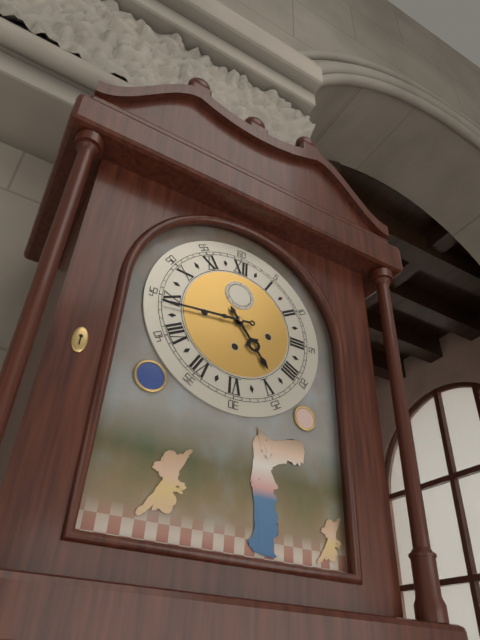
4h44
